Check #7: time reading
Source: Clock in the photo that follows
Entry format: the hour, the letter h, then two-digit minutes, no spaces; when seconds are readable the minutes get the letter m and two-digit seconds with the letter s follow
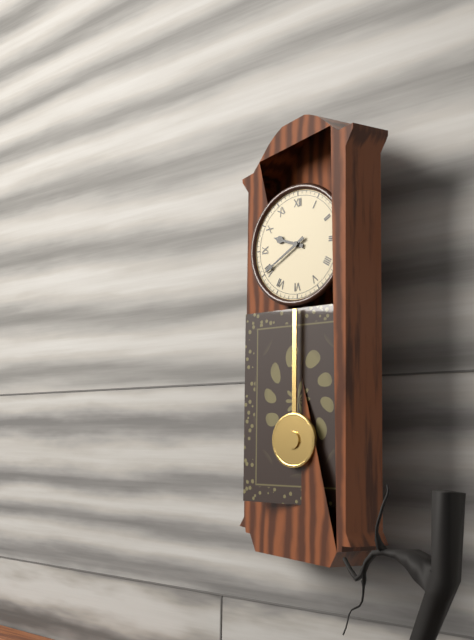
9h40
